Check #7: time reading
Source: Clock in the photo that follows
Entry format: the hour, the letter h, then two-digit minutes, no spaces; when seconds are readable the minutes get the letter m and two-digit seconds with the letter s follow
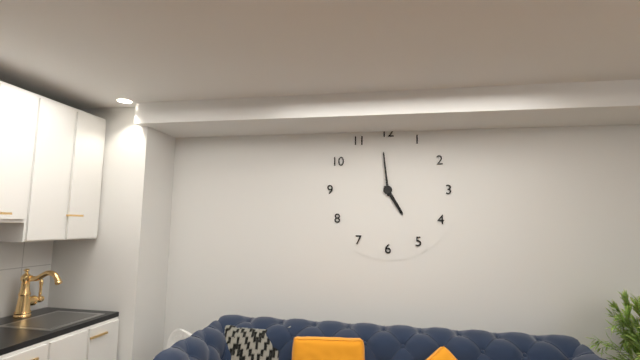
4h59
